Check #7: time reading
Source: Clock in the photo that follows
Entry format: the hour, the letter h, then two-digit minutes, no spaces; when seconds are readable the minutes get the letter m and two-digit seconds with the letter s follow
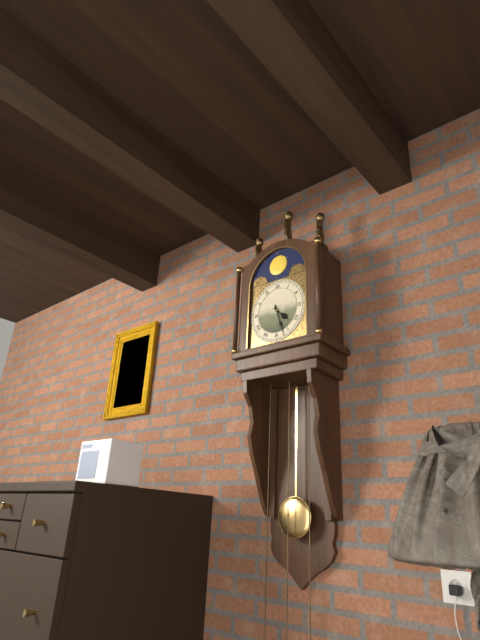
4h27
